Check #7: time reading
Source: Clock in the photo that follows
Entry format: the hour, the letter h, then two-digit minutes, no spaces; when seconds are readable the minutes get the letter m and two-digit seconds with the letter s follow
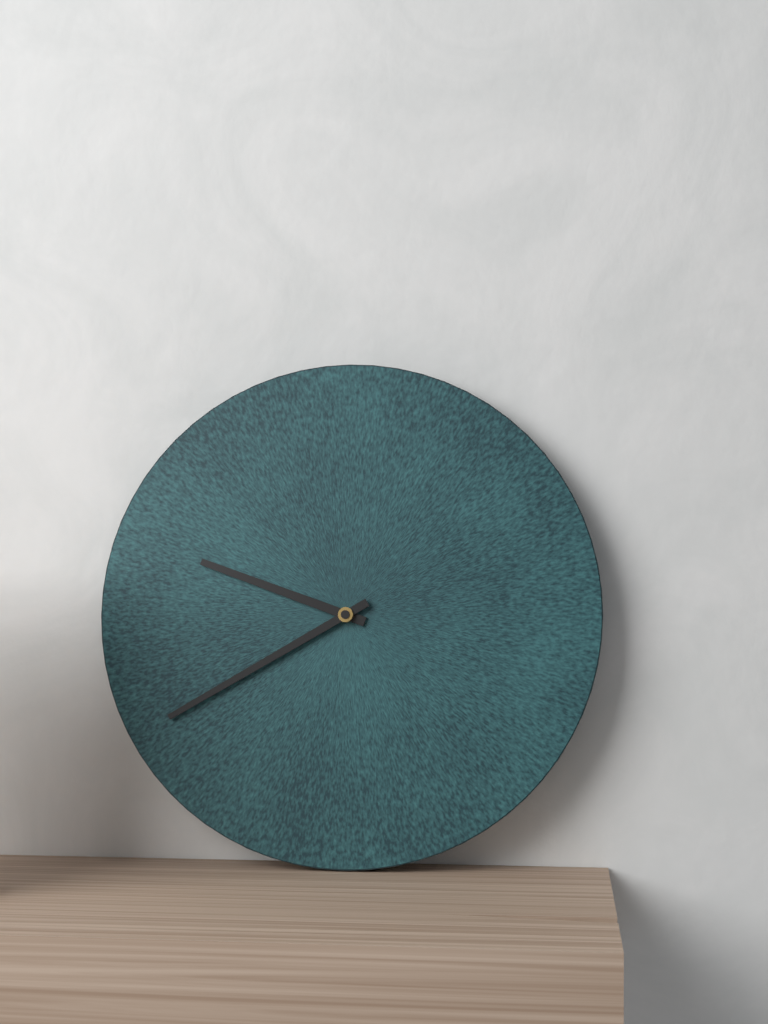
9h40
